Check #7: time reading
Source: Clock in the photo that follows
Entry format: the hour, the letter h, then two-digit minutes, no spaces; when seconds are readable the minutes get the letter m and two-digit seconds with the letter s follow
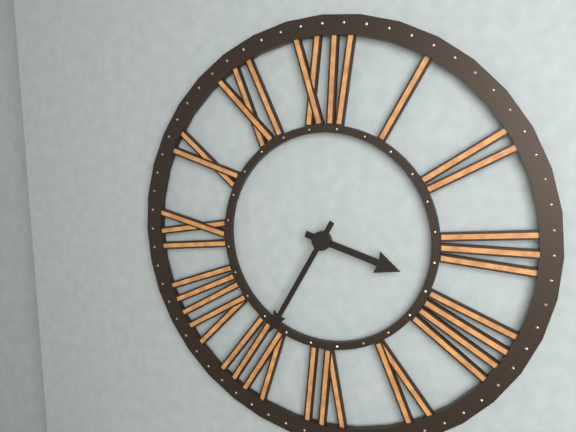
3h35
